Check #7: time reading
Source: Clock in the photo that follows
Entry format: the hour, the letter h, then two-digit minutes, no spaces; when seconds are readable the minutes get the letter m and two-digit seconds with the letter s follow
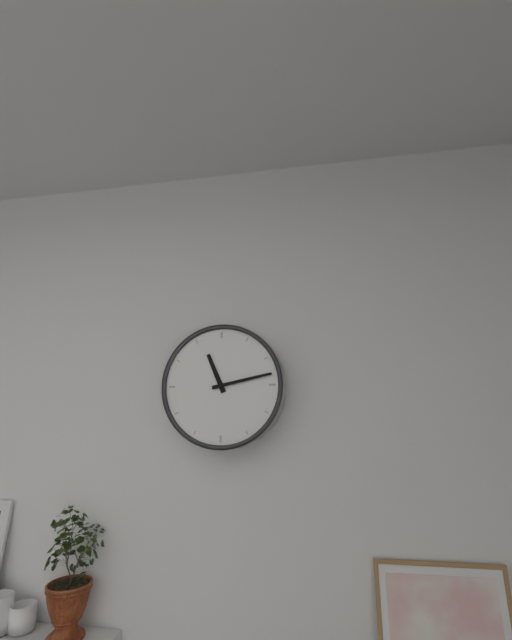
11h13
